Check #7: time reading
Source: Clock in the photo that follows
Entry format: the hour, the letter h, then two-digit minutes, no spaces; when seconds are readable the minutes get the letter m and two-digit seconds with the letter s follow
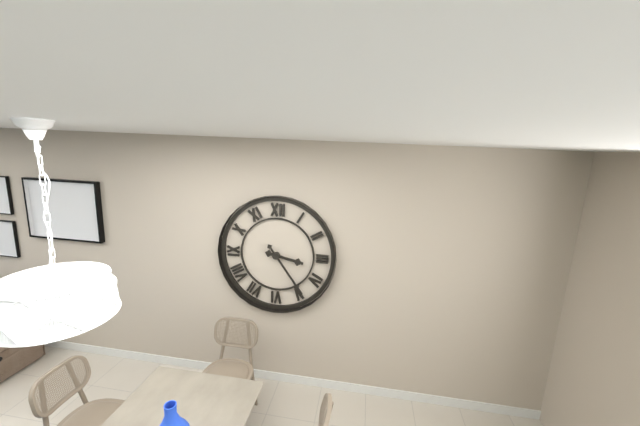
3h24
